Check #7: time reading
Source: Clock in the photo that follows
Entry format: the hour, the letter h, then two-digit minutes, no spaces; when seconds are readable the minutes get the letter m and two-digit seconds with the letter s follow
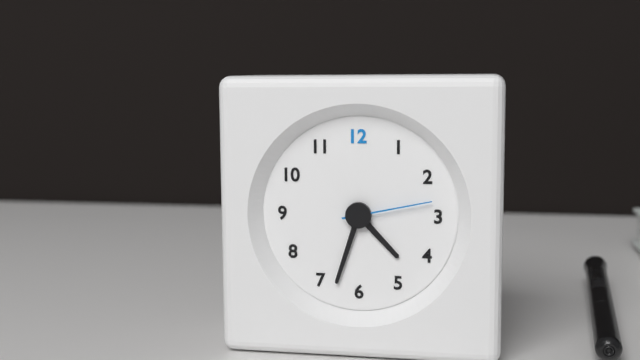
4h33m13s
